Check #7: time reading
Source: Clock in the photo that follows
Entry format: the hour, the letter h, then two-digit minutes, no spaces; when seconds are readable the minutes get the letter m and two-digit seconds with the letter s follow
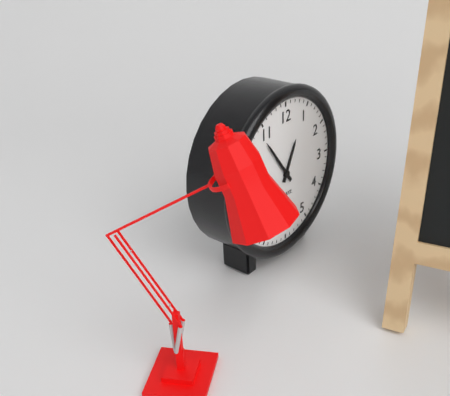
12h54
